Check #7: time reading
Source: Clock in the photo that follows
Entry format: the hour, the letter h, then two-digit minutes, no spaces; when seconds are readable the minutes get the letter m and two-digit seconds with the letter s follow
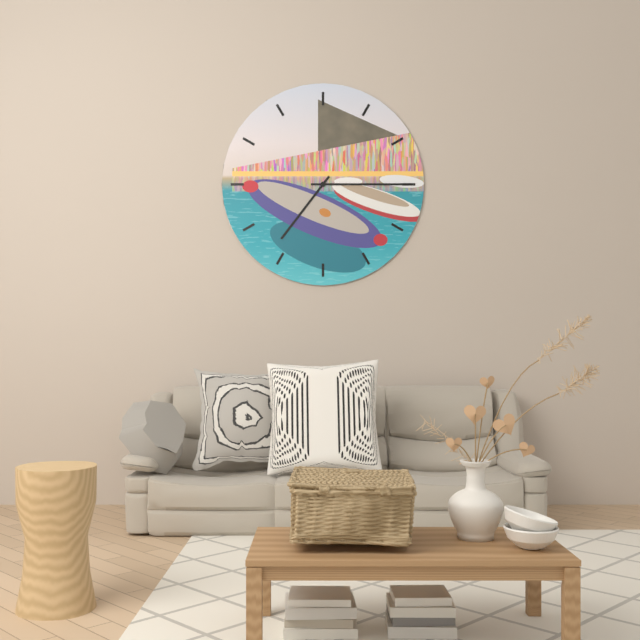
7h15
